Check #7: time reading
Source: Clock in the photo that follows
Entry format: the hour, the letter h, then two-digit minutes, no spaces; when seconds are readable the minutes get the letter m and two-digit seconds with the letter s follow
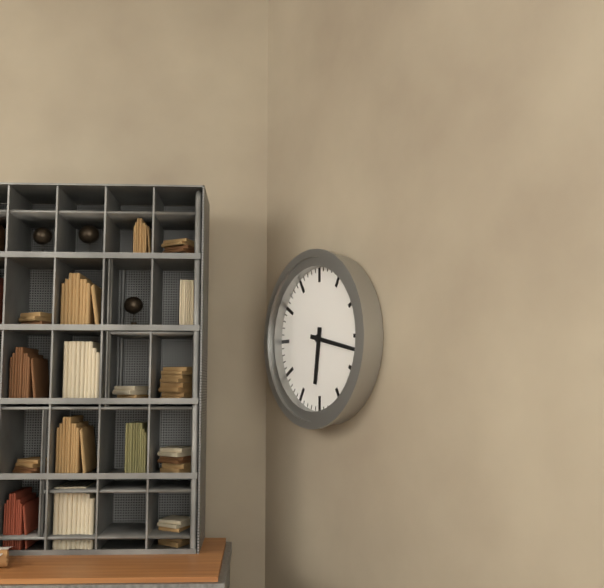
6h17
